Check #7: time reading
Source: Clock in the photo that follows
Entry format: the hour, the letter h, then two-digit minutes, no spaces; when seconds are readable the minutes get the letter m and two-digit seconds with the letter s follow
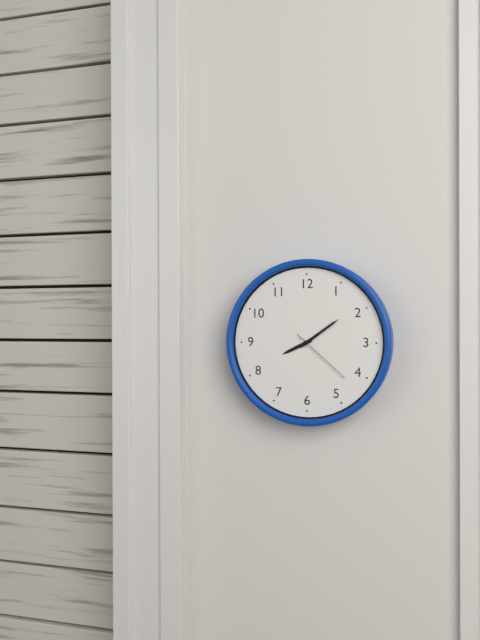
8h09m22s
